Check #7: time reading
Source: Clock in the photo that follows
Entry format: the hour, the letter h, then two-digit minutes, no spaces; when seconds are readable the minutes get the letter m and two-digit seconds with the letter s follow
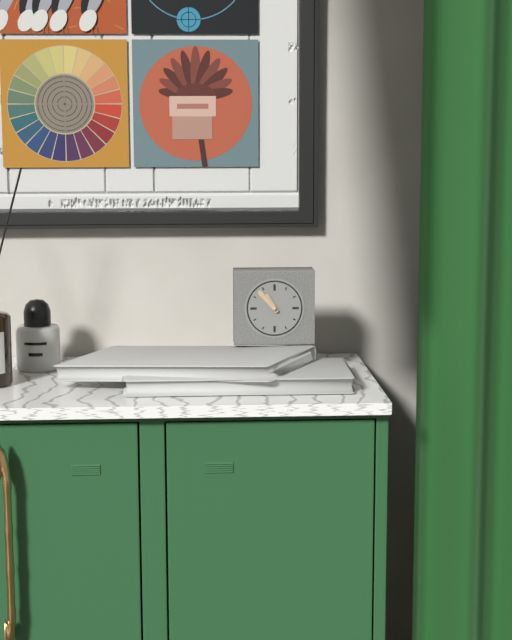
10h53
